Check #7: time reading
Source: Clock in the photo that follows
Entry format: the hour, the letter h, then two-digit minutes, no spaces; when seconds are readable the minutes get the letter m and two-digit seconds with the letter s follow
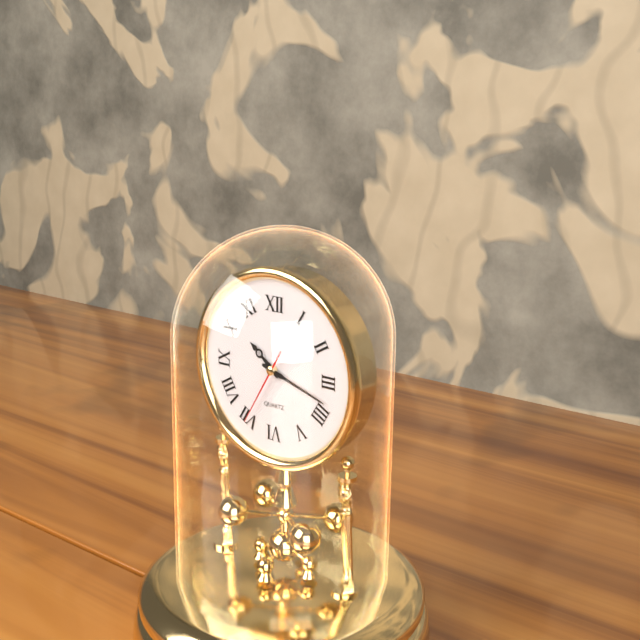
10h18m35s
